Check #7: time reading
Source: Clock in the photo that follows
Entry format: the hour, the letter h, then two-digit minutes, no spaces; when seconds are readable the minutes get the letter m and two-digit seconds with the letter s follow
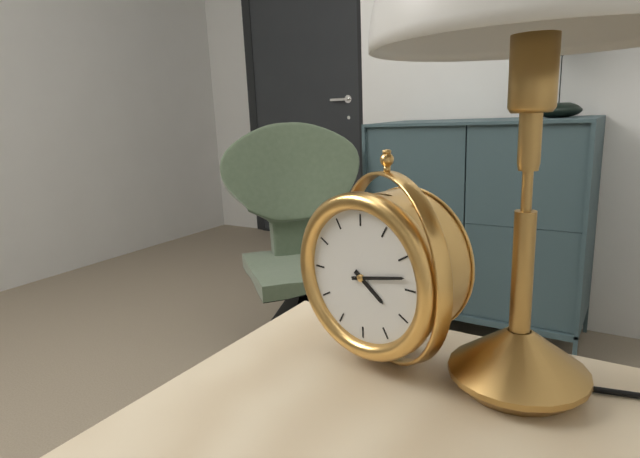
4h13
